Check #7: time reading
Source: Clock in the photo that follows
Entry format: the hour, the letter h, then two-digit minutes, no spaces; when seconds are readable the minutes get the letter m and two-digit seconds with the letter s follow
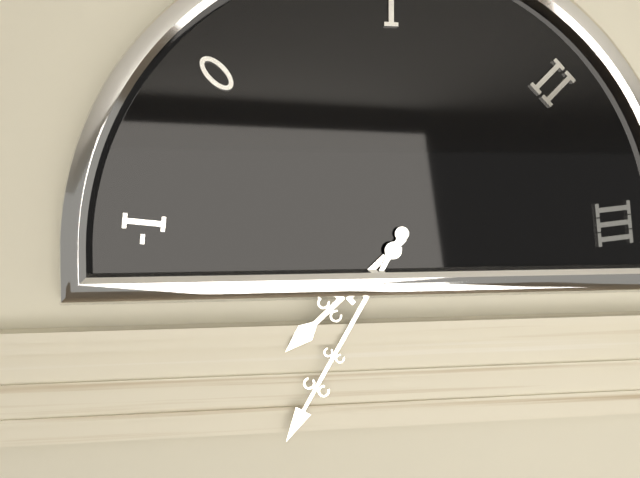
7h35
